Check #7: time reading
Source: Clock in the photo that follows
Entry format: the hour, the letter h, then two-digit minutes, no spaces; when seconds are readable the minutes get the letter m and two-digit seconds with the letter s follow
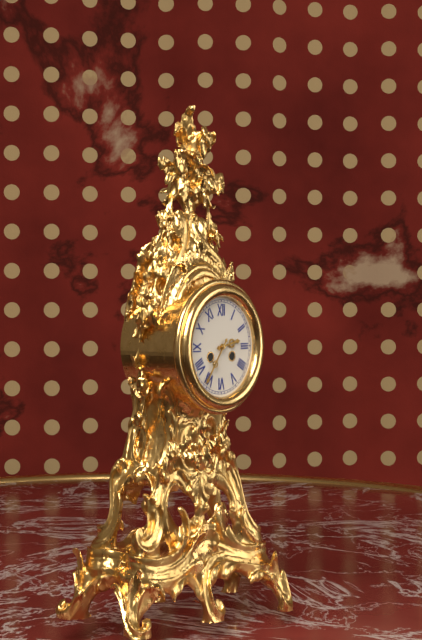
2h36
